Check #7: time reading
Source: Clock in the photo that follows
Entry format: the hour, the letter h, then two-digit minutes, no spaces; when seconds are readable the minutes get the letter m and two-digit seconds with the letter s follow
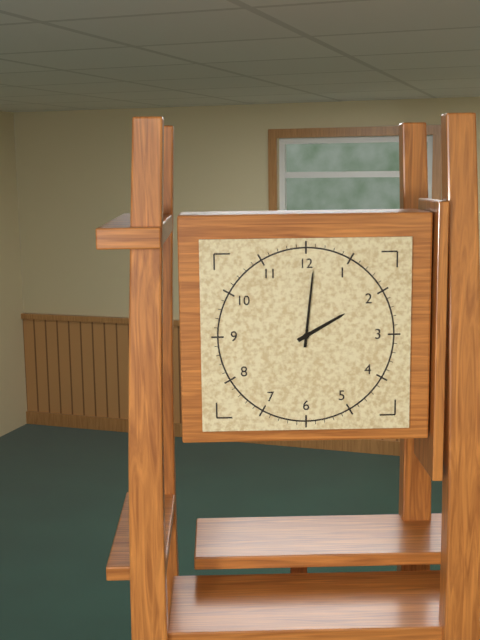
2h01
